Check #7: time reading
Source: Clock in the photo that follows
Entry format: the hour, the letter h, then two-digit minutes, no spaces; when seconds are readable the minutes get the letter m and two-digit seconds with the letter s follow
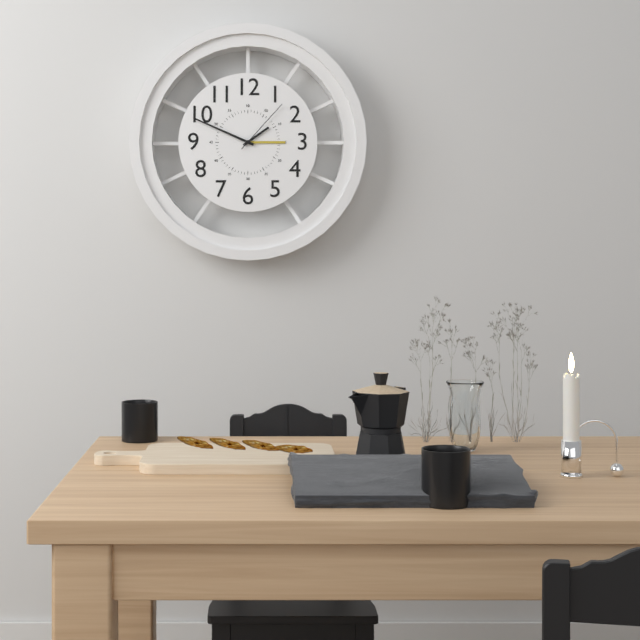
1h49m07s
